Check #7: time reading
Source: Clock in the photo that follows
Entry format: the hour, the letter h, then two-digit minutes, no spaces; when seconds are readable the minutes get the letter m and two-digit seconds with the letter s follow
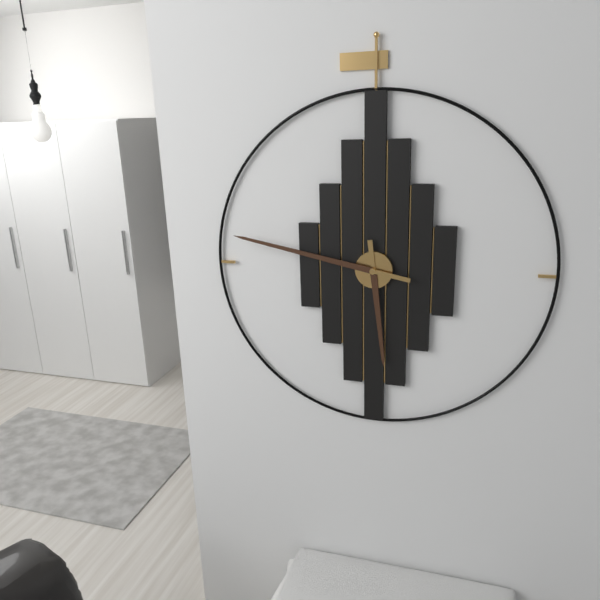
5h47
